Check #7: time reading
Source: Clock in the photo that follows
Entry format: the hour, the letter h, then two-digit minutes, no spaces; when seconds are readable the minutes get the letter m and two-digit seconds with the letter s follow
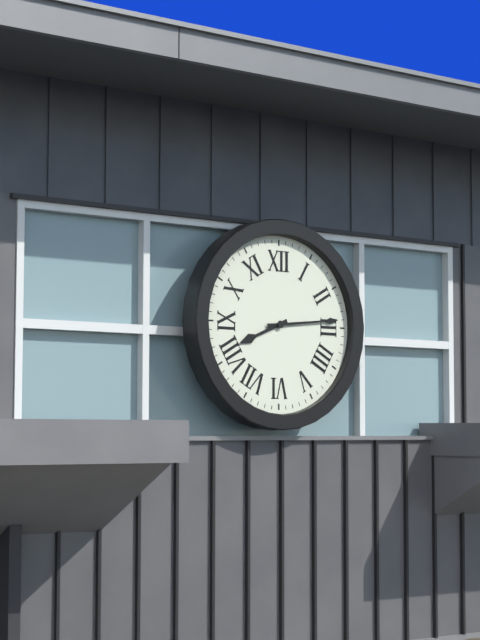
8h14
